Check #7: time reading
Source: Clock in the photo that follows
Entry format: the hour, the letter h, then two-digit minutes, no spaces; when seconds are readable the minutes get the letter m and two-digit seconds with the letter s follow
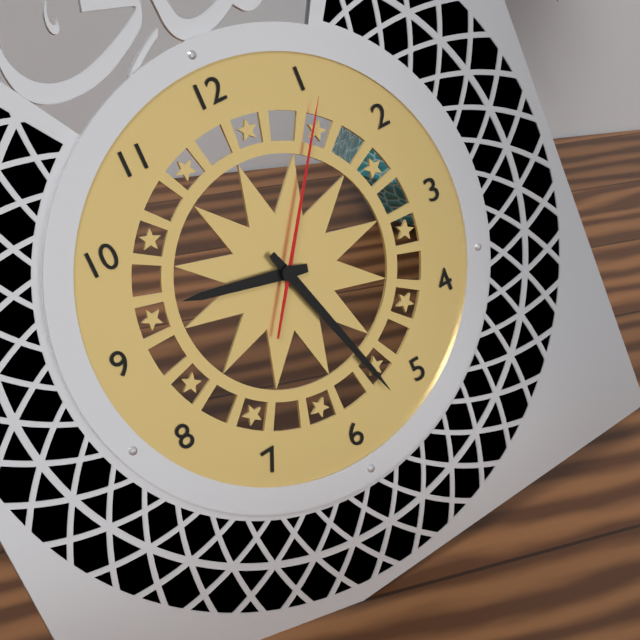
9h27m06s
